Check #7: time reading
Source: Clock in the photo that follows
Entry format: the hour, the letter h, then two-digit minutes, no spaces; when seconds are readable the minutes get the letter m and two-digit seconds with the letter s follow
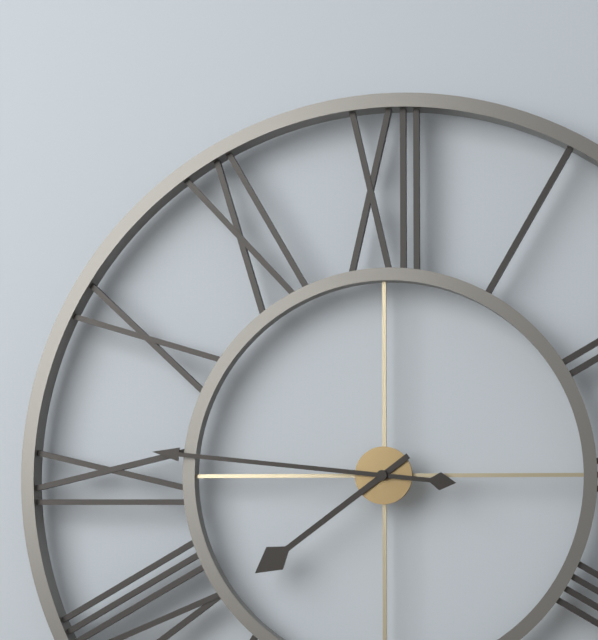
7h46
